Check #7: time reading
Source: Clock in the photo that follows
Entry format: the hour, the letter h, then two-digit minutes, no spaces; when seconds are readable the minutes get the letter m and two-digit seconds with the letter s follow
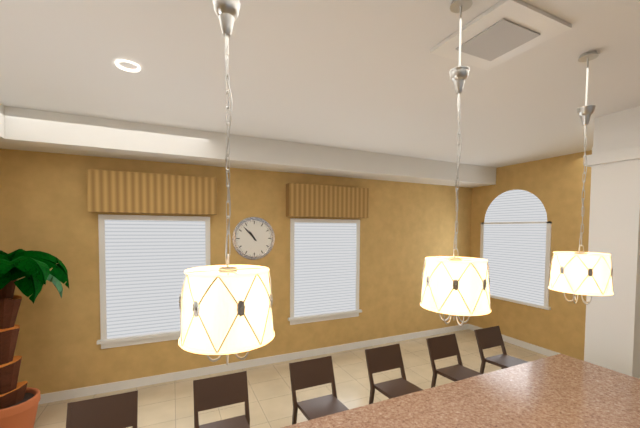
10h53
